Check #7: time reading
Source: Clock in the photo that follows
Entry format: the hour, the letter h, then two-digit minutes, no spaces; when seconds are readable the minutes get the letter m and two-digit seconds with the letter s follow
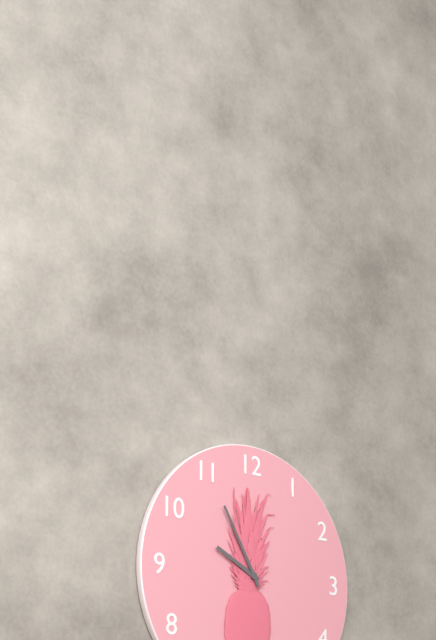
9h55
